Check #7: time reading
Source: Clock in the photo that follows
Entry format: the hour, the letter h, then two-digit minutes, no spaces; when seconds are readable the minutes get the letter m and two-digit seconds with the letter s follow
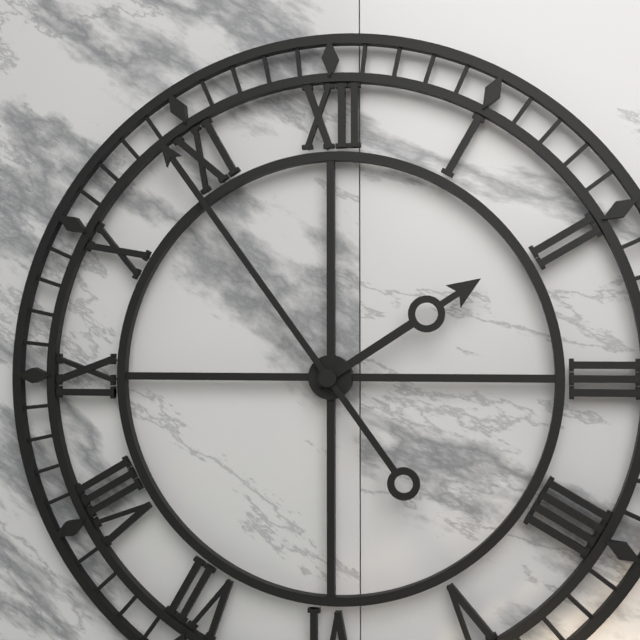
1h54
